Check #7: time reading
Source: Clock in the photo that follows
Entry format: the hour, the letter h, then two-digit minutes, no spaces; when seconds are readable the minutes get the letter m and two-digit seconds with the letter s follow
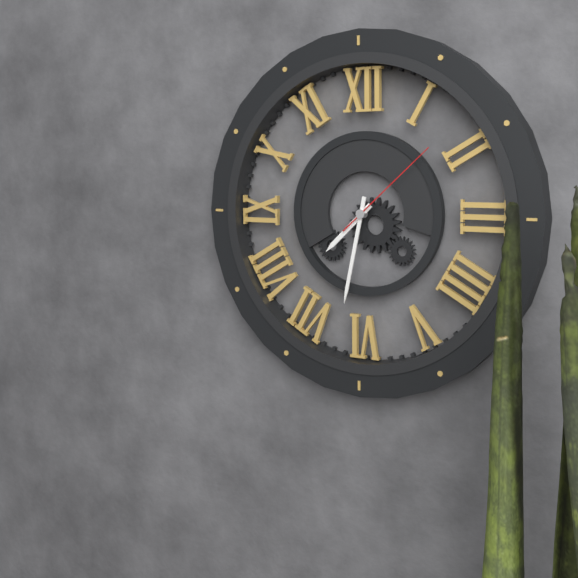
7h32m08s
